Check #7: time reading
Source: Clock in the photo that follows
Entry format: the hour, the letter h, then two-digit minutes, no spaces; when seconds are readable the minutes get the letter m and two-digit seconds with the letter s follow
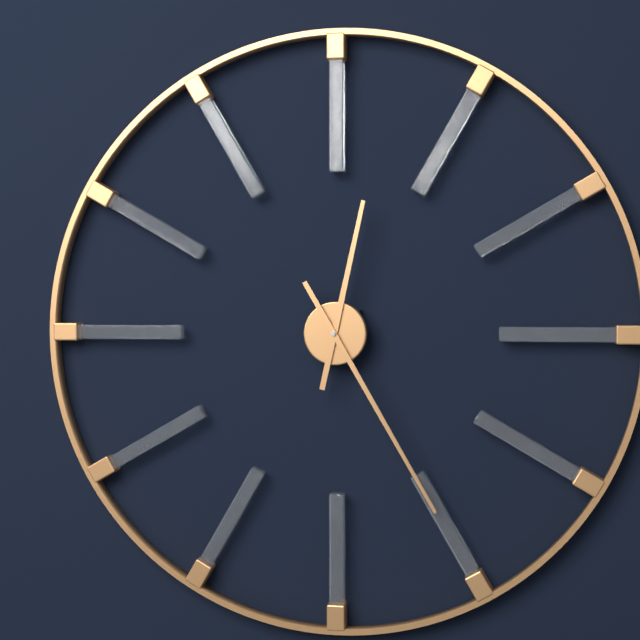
12h25
